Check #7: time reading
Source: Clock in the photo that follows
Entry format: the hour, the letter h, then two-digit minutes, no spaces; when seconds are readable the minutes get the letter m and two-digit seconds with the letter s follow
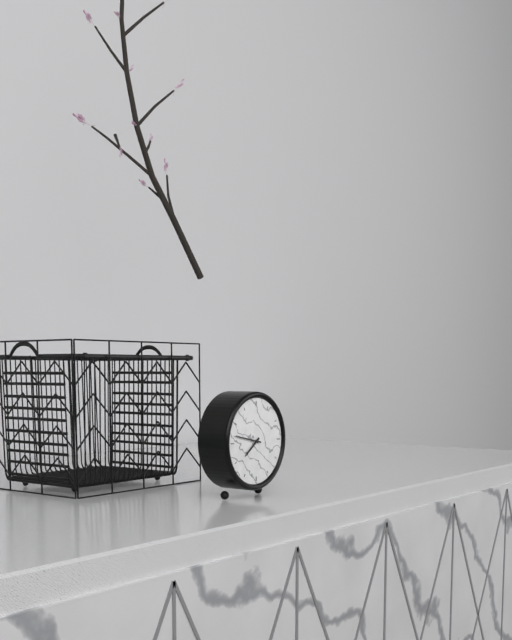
7h47
